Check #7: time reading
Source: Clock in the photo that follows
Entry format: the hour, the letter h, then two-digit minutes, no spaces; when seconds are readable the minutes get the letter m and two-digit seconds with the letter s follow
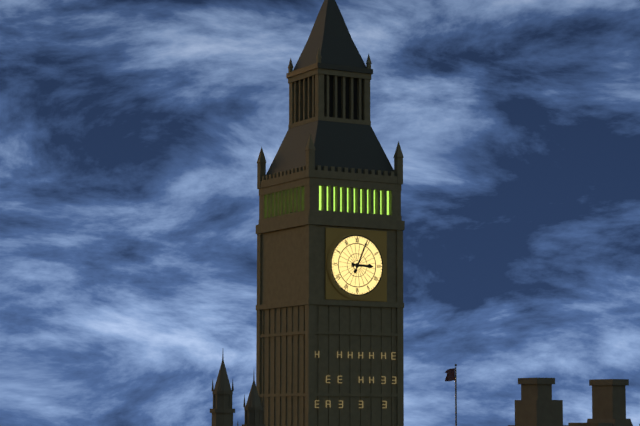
3h04
